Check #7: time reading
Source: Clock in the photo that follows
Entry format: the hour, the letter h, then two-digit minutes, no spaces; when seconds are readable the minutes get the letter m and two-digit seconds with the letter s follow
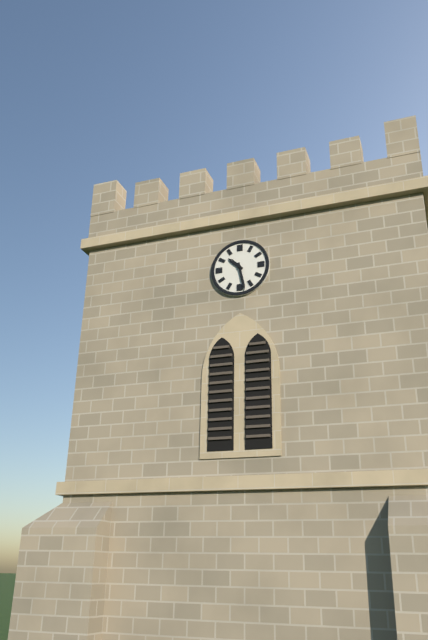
10h28
